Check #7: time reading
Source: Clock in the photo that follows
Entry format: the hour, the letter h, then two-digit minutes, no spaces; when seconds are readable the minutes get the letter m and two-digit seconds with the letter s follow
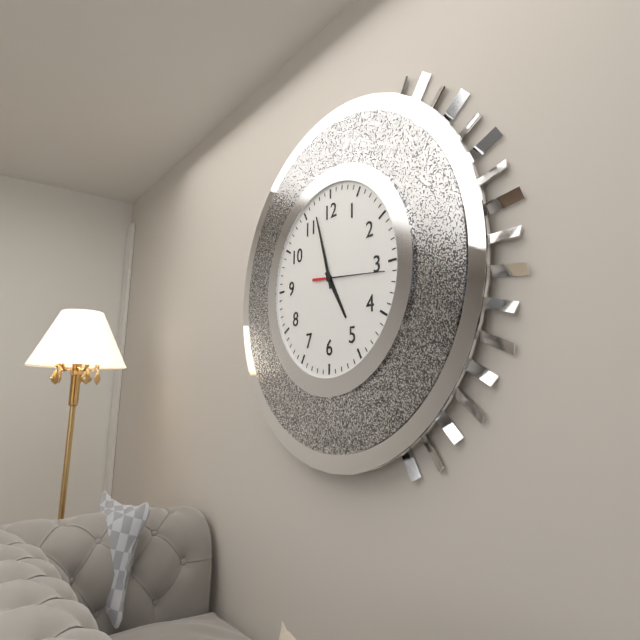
4h57
